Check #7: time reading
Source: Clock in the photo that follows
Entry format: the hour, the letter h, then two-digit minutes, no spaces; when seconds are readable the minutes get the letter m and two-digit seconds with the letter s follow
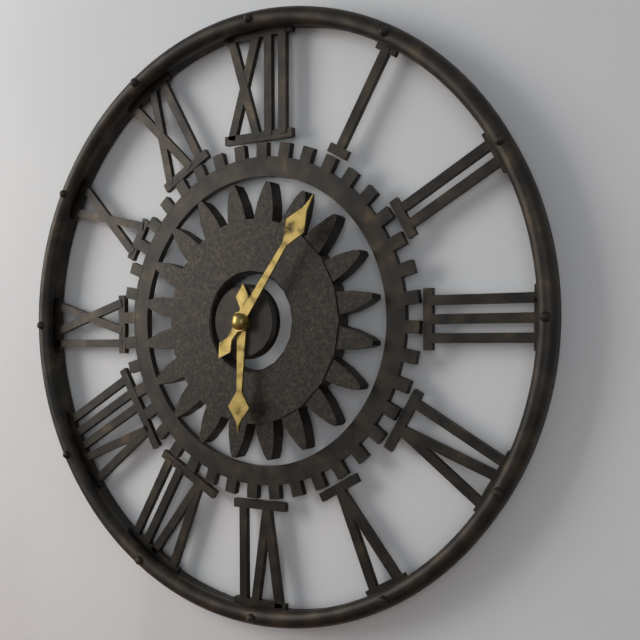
6h06
